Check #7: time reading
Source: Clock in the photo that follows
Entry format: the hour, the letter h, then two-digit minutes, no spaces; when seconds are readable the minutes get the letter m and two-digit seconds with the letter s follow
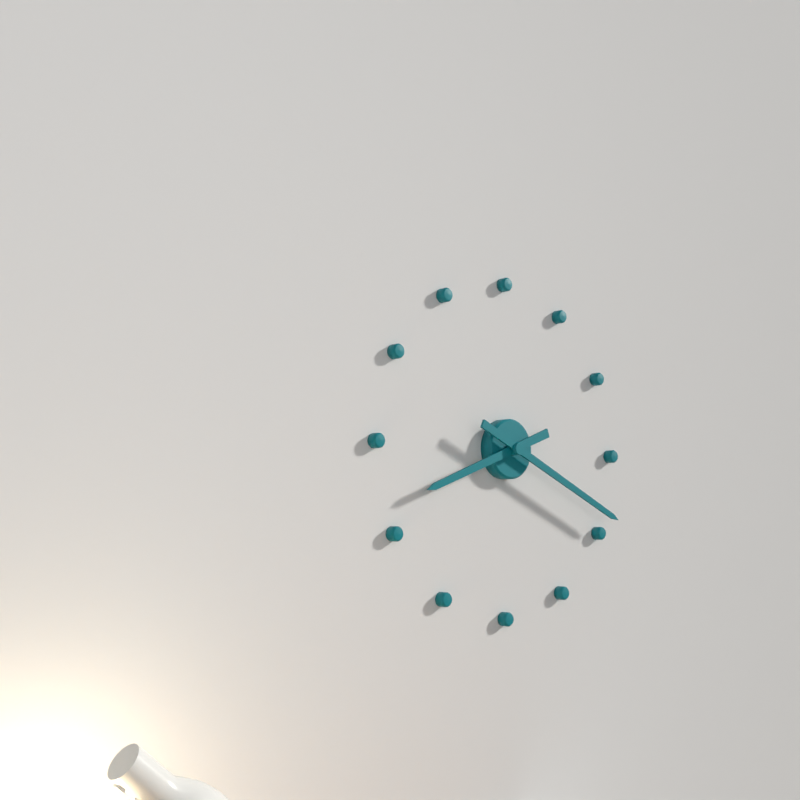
8h19
